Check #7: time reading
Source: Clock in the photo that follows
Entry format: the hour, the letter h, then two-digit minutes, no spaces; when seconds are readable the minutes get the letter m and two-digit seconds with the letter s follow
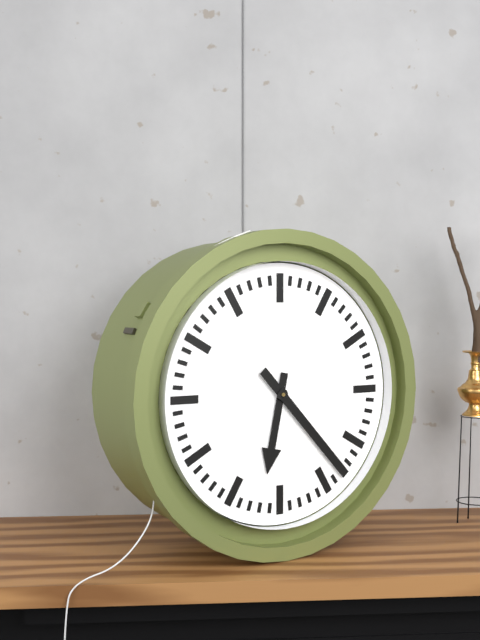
6h23
